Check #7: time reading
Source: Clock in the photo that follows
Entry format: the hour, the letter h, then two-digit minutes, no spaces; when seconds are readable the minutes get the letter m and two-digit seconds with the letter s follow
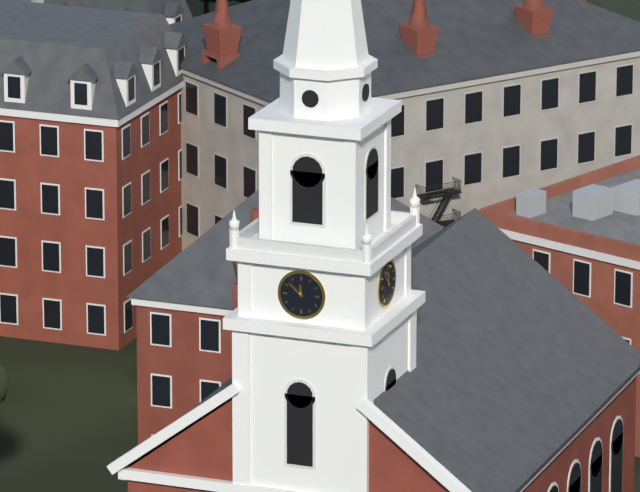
11h52
